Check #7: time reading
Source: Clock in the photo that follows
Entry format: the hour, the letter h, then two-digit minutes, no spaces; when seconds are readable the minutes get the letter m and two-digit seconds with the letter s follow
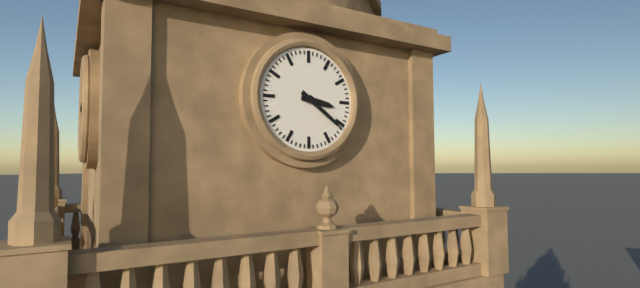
3h21
